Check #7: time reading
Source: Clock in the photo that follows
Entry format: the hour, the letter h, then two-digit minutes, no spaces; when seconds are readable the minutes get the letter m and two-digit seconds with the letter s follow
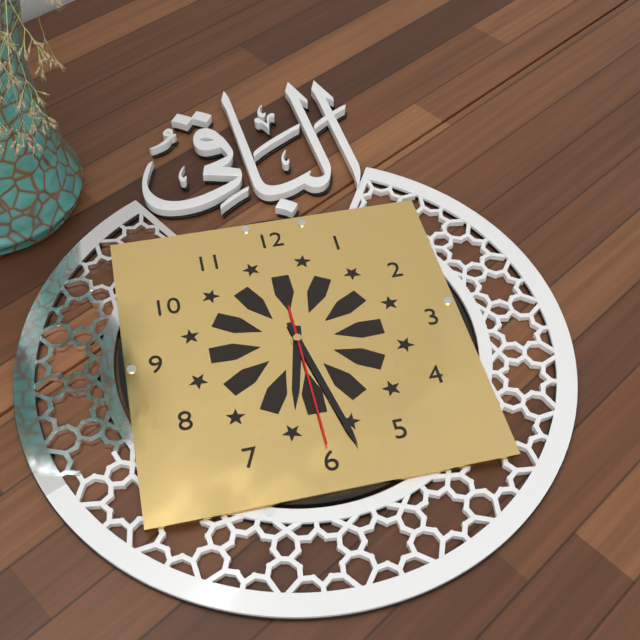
6h28m30s
